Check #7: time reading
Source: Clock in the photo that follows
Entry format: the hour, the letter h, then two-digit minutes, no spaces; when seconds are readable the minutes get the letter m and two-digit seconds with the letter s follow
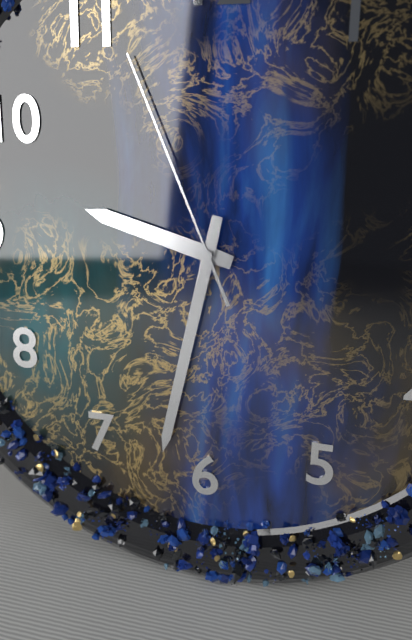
9h32m56s
